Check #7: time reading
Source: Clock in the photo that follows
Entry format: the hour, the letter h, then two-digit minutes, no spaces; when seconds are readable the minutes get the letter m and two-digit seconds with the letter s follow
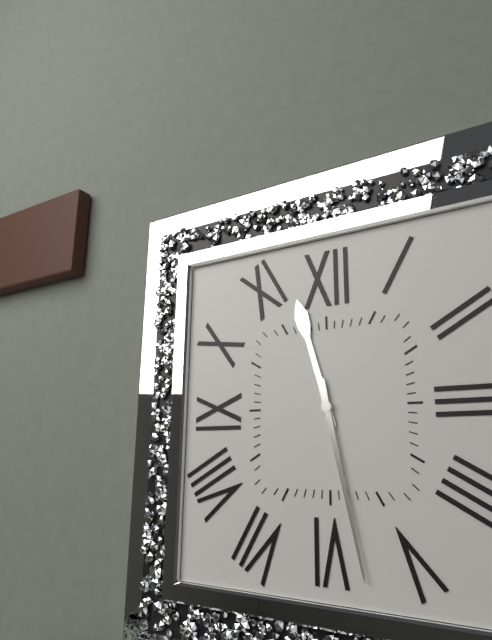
11h28
